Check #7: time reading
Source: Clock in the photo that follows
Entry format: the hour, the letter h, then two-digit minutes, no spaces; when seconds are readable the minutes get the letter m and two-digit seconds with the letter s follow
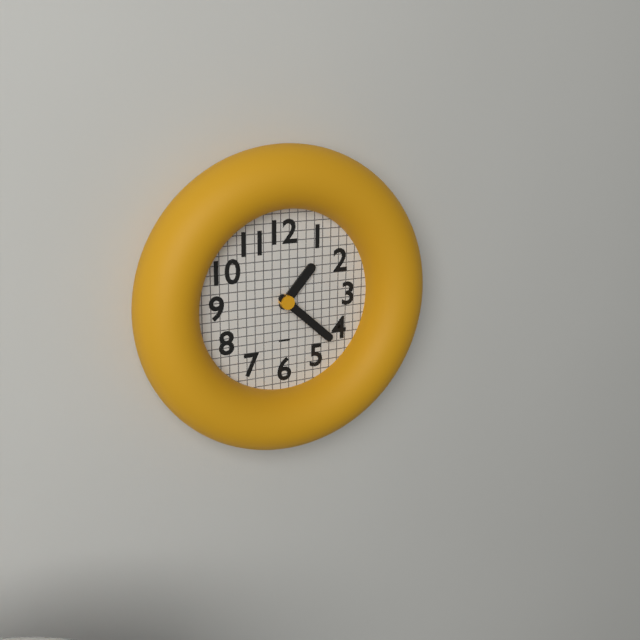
1h22
